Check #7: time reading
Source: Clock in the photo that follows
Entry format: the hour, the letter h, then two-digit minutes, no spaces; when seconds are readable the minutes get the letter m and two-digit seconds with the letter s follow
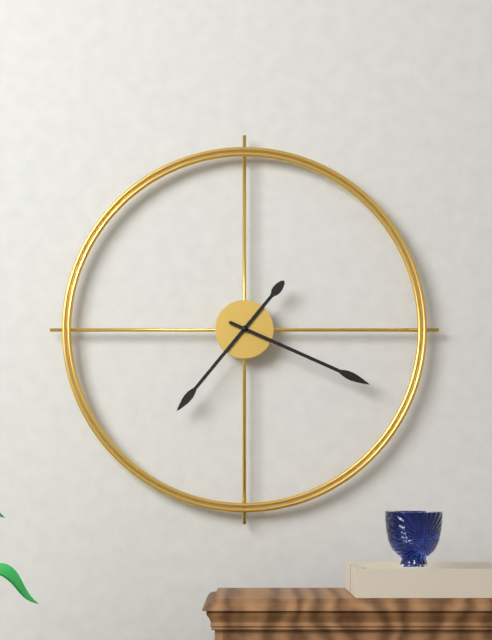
7h19
